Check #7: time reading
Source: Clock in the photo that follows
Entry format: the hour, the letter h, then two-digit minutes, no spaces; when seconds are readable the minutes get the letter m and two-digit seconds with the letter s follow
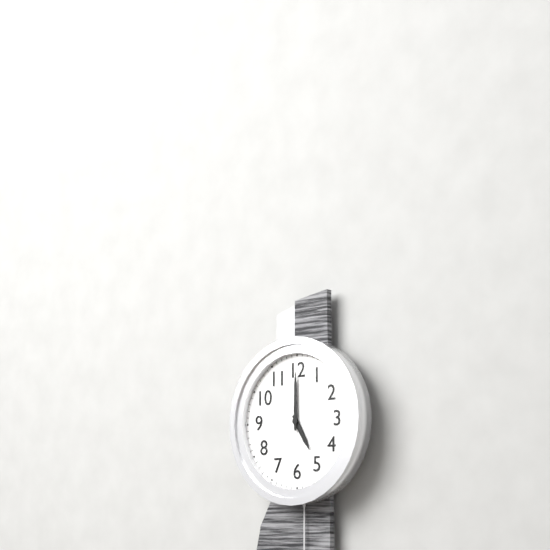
5h00
